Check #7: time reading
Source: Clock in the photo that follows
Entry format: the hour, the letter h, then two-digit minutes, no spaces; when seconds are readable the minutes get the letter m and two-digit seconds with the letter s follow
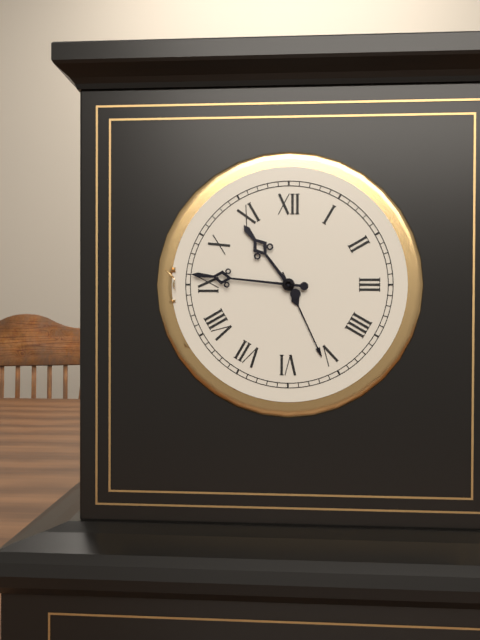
10h46
